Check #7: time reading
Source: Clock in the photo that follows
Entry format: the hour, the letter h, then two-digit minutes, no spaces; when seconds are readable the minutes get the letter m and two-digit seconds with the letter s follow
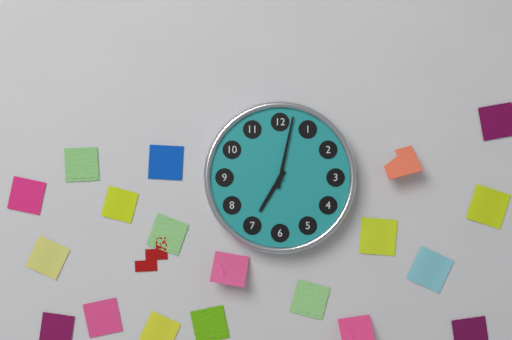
7h02
